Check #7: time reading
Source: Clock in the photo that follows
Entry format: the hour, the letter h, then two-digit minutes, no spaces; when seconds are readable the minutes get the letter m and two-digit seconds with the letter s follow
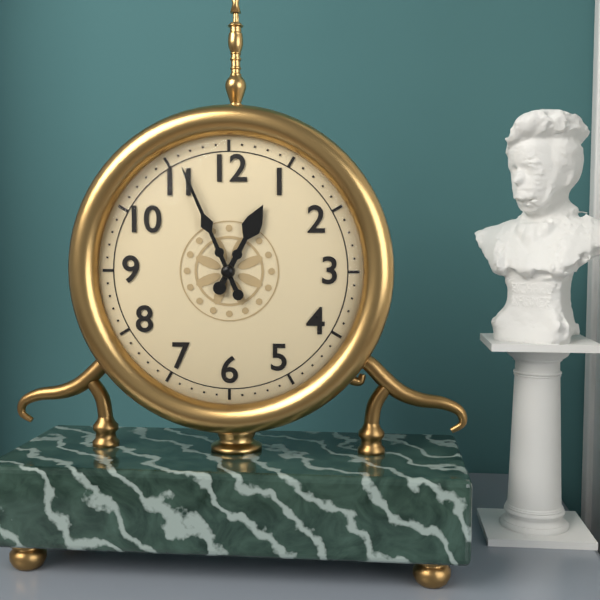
12h56
